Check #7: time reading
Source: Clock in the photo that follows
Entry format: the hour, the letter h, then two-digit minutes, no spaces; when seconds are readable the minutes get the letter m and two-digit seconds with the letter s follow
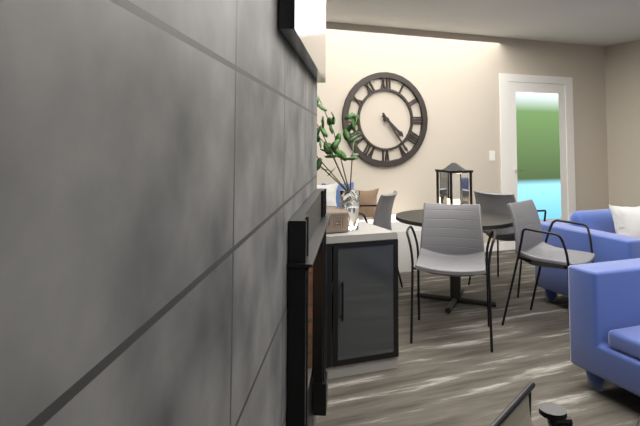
4h24
